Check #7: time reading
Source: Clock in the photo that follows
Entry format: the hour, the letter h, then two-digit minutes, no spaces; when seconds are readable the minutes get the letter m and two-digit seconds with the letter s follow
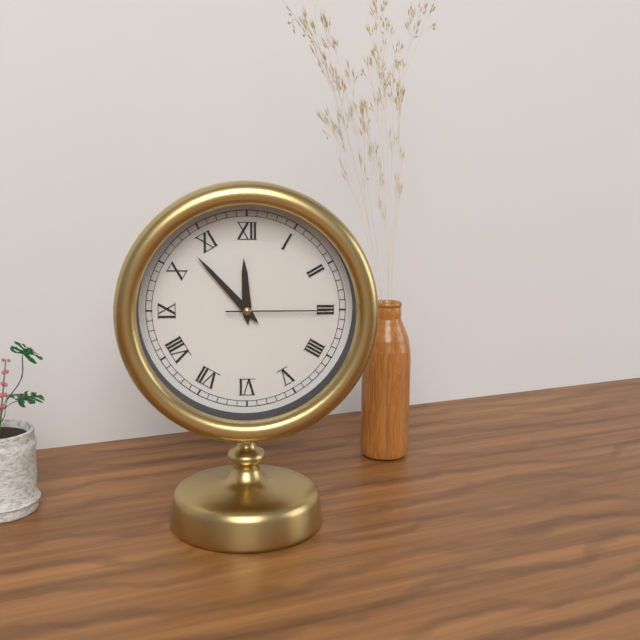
11h53m15s
